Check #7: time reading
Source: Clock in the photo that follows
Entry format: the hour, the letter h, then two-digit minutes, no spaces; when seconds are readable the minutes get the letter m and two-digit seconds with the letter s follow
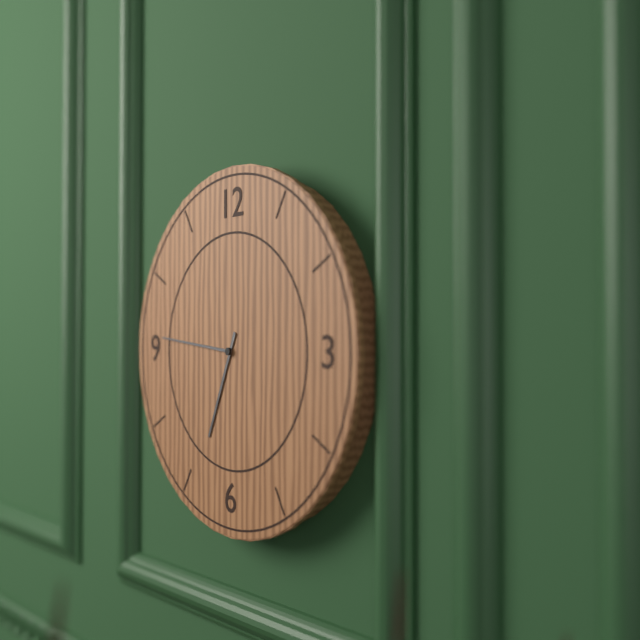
6h46
